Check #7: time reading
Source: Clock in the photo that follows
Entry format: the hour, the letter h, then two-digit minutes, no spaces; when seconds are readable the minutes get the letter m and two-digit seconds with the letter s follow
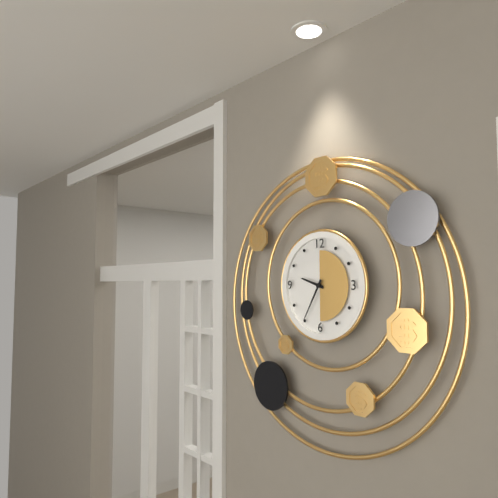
9h35
